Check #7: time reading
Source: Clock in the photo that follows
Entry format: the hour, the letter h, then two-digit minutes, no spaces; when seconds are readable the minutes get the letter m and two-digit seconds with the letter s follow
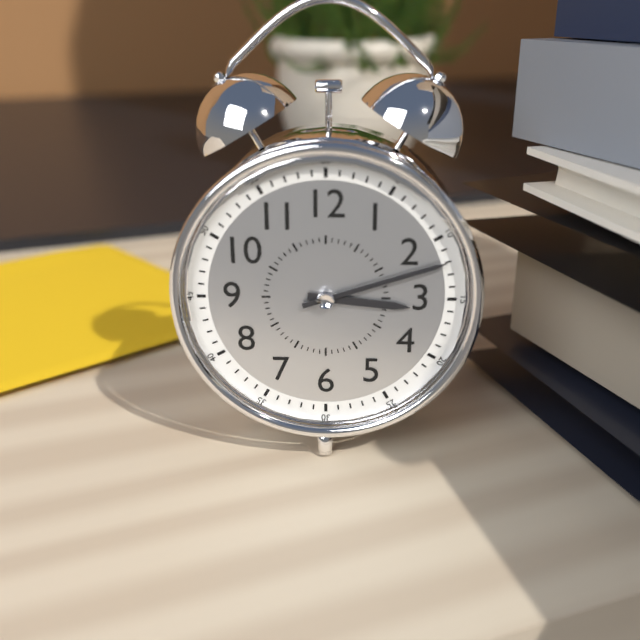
3h12
